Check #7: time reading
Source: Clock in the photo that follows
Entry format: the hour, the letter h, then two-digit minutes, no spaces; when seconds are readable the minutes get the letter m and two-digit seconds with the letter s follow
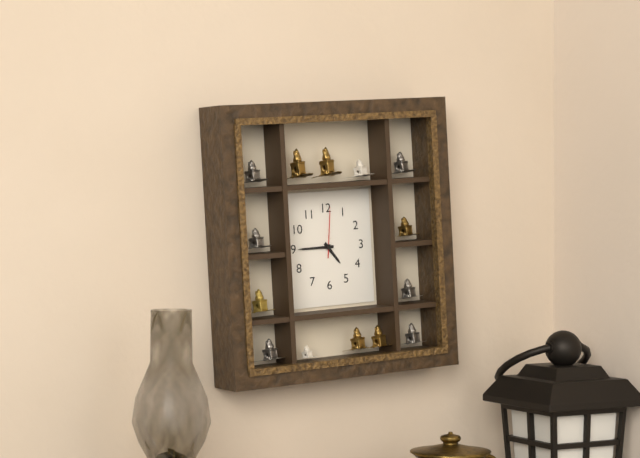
4h45m01s
